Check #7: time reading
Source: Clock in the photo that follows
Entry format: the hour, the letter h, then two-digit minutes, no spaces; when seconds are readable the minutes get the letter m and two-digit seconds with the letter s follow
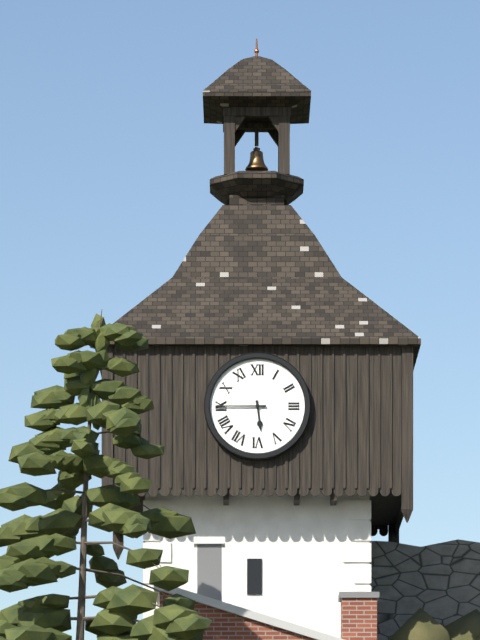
5h45
